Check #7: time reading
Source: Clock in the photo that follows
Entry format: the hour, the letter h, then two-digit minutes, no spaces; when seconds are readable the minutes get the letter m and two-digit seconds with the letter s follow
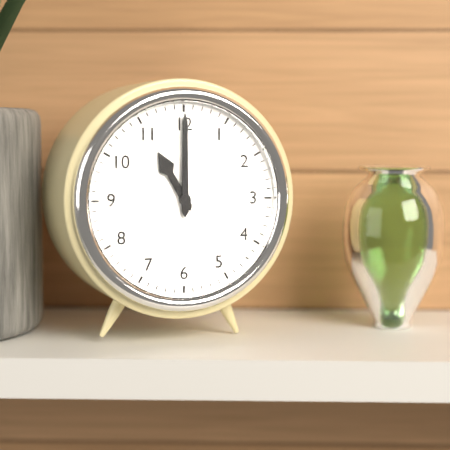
11h00
